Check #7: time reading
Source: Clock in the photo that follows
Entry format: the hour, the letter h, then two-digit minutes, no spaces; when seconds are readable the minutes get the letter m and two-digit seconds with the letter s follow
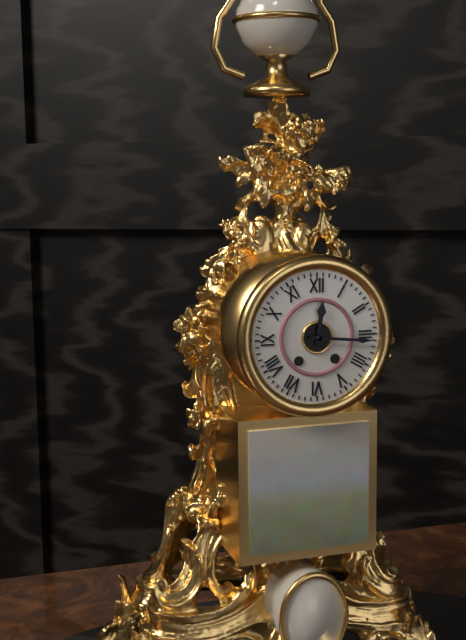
12h16
